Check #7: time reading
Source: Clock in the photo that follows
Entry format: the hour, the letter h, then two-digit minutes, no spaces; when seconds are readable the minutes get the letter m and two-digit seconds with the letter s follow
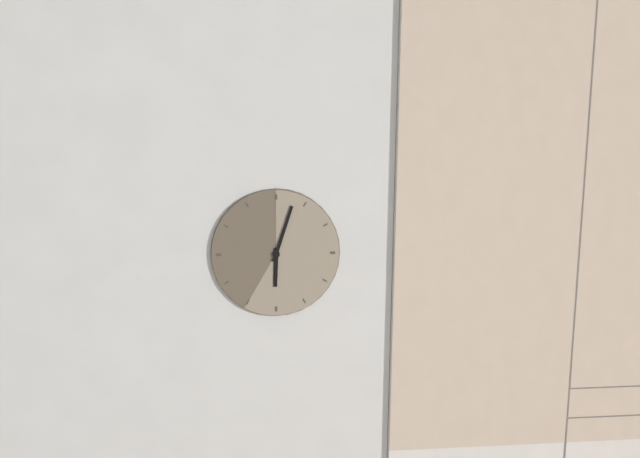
6h03
